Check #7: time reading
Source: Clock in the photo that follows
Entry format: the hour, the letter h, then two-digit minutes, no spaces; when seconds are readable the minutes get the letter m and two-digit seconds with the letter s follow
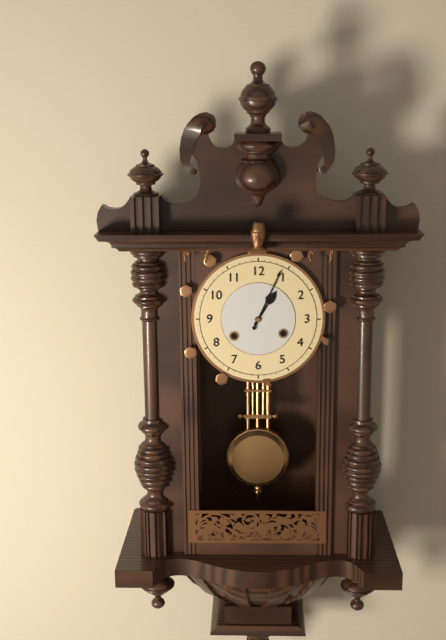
1h04
